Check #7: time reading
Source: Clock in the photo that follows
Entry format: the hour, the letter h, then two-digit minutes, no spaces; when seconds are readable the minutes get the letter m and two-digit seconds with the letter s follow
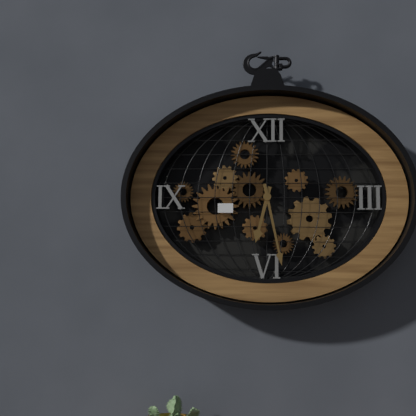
6h28
